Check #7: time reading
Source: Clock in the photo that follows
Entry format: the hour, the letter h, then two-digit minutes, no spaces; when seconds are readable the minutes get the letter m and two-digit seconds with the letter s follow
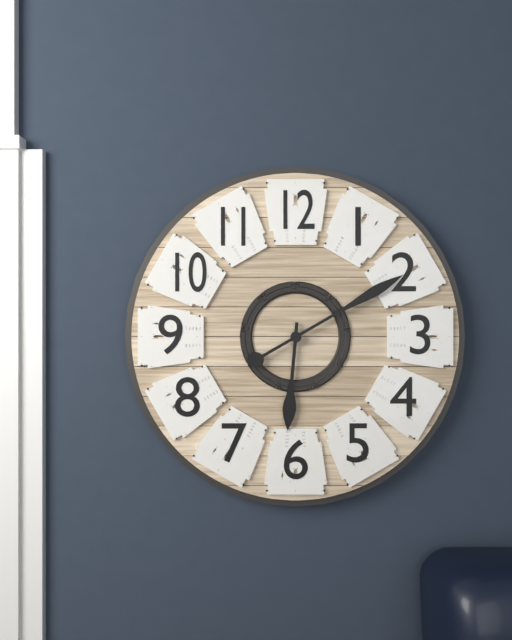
6h10
